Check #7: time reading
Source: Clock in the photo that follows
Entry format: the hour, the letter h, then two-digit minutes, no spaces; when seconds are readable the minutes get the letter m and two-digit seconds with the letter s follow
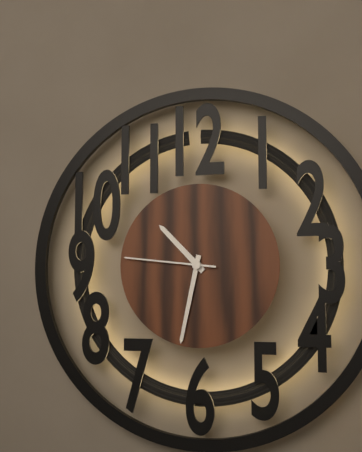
10h32m46s
